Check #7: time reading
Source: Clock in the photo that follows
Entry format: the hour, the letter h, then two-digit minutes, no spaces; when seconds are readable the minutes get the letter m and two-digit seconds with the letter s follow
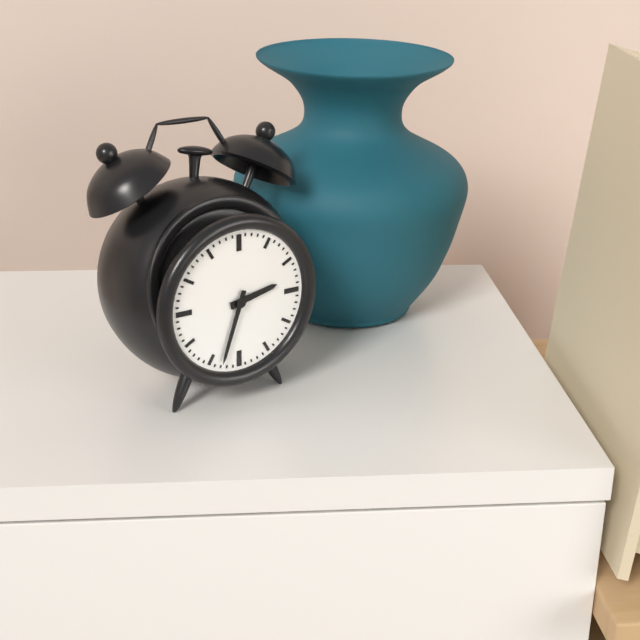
2h33
